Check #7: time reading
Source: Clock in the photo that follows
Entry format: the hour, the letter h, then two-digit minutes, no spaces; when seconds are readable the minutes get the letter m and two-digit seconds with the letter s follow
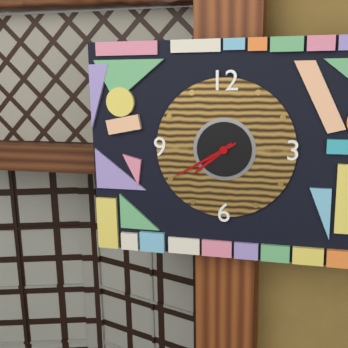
7h40
